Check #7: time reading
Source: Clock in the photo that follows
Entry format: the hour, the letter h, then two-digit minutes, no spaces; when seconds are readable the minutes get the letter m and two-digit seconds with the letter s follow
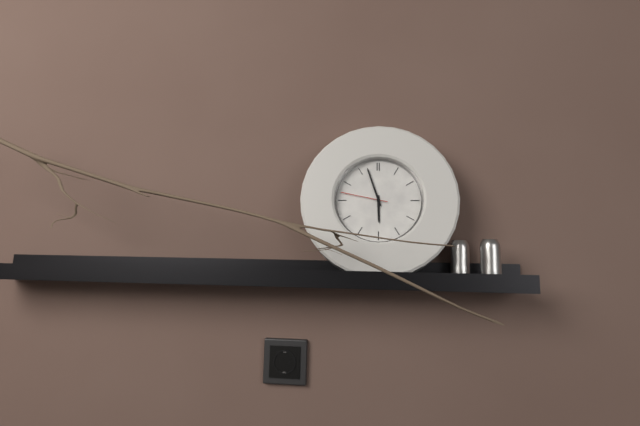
5h57
